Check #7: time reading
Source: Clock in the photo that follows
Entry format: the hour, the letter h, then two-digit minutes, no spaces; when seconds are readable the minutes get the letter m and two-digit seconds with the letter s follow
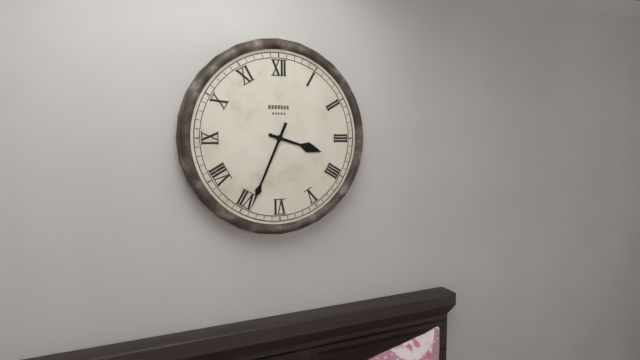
3h34
